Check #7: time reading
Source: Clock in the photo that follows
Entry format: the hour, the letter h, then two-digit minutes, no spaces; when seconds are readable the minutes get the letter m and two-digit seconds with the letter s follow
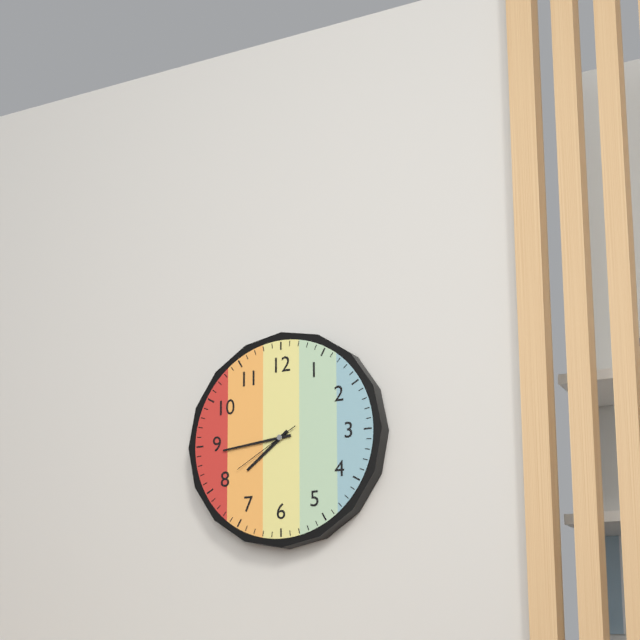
7h44m40s
